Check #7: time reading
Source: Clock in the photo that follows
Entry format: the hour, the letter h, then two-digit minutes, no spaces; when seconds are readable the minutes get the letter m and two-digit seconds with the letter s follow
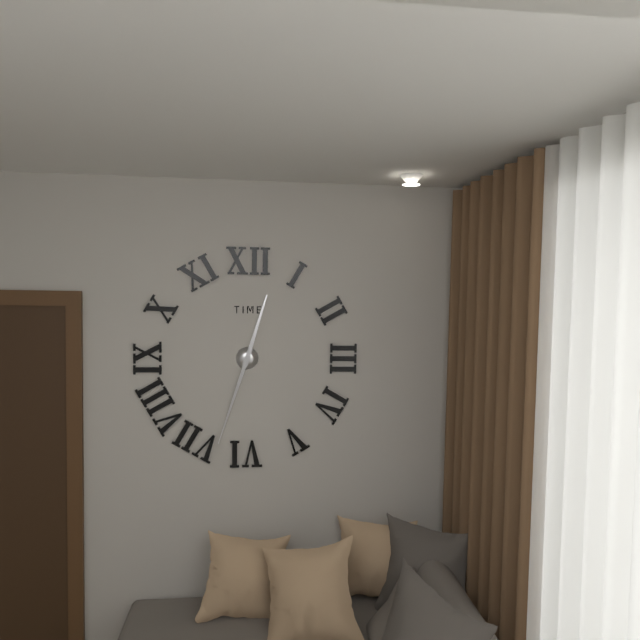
12h33
